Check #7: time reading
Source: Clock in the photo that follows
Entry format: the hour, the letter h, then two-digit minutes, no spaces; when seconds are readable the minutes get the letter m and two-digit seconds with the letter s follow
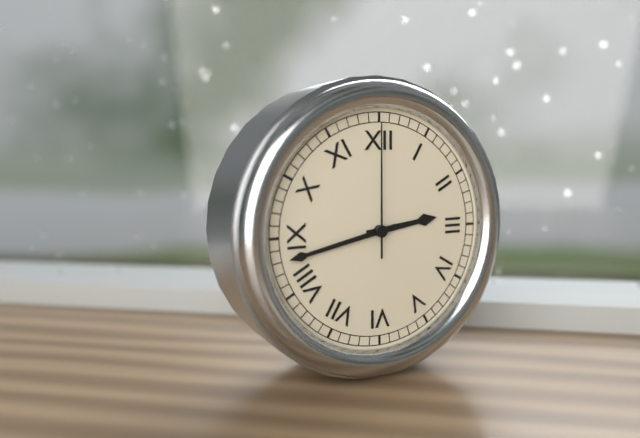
2h43m00s
